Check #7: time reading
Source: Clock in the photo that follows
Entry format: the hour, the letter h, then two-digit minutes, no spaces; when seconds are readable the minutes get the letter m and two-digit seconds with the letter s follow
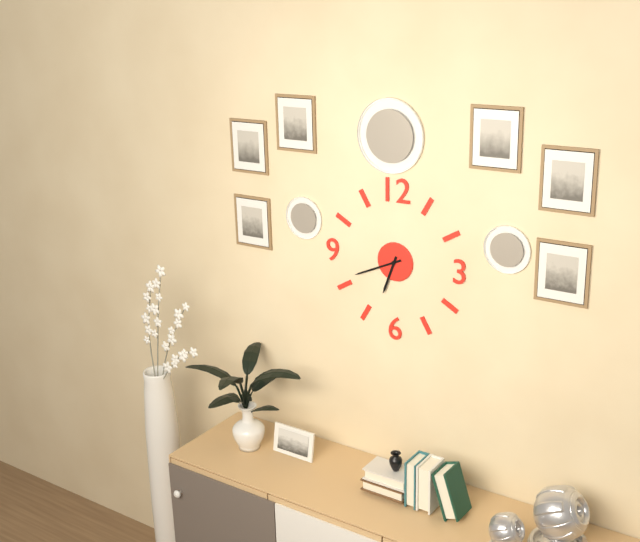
6h41
